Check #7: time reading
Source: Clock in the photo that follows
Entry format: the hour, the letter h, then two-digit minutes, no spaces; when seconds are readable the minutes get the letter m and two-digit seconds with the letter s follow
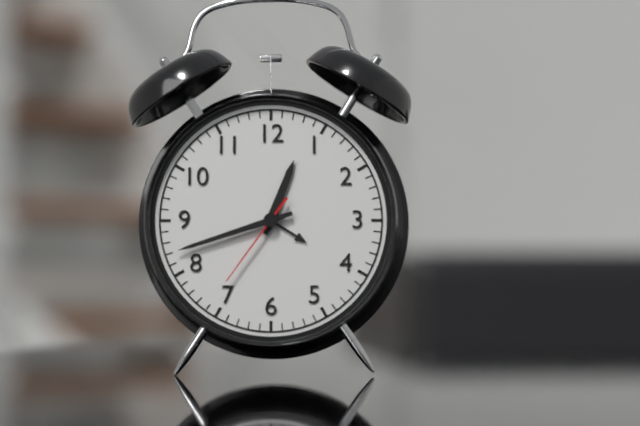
12h42m36s
